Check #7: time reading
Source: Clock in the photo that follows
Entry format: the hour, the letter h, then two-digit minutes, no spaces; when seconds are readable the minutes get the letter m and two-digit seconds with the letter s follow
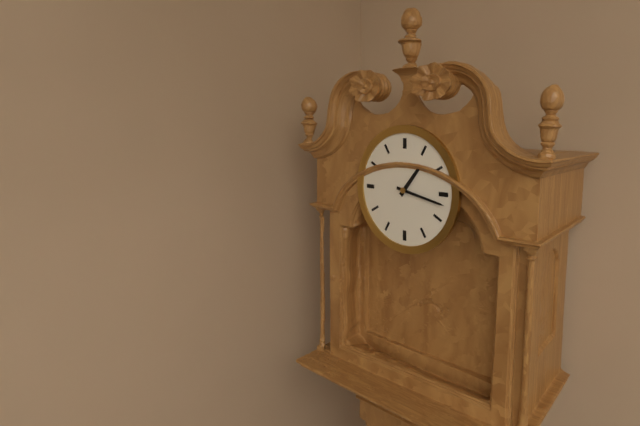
1h17
